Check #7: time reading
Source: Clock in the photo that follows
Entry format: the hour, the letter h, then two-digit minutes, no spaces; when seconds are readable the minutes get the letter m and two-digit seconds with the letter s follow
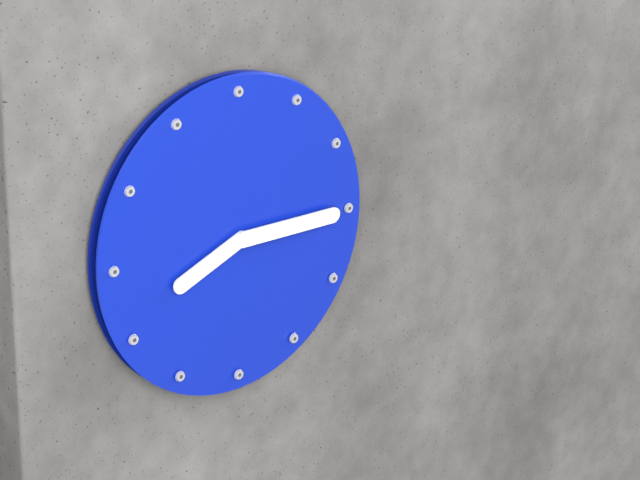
8h15
